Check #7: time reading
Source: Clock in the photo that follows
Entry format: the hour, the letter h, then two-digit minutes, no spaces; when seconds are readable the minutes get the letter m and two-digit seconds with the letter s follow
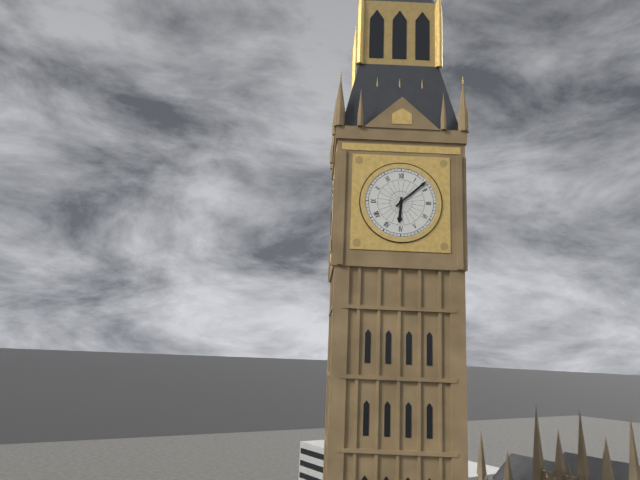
6h08
